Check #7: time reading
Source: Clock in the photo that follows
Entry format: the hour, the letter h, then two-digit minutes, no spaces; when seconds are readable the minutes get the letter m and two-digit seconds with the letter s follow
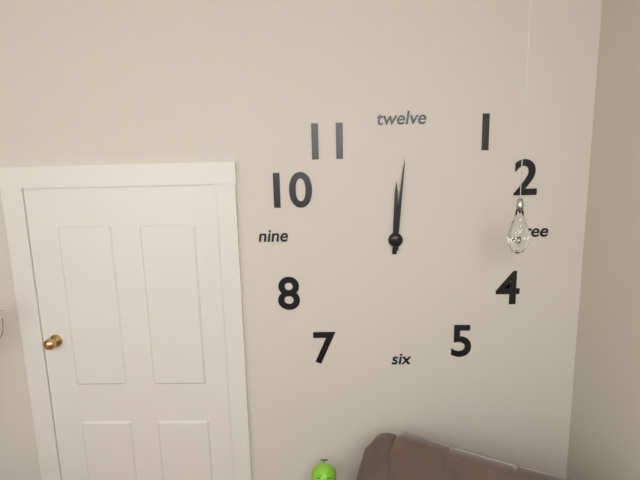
12h01
